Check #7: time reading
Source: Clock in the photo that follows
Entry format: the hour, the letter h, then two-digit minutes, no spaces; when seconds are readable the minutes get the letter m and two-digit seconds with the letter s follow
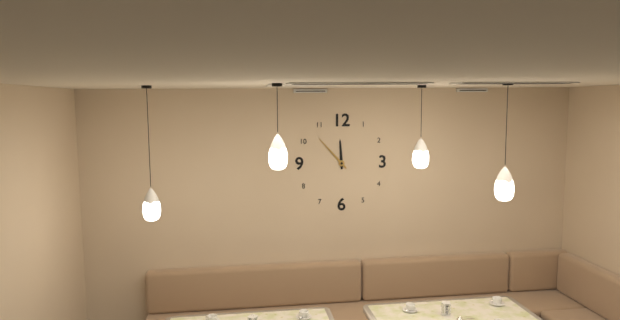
11h53
